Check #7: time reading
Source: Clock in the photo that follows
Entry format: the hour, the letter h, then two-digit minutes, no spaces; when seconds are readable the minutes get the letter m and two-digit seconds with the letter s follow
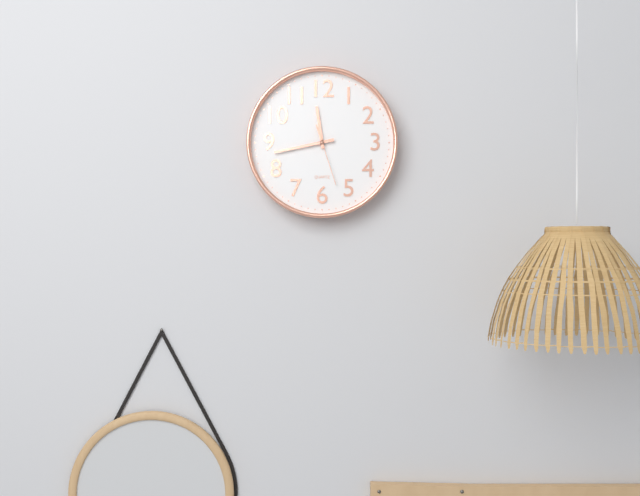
11h43m27s
